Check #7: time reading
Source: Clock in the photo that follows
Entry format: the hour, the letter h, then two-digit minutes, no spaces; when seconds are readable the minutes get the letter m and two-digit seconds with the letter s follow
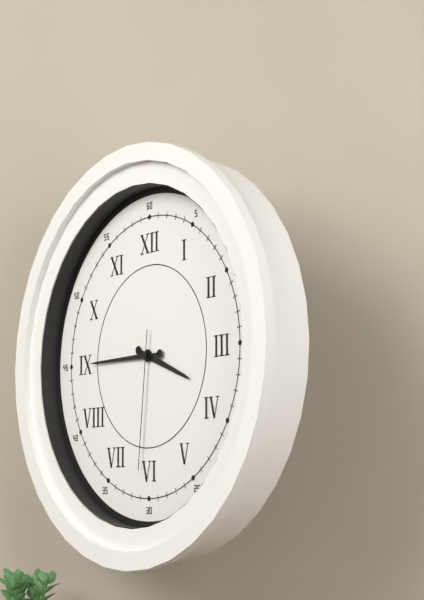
3h45m31s
